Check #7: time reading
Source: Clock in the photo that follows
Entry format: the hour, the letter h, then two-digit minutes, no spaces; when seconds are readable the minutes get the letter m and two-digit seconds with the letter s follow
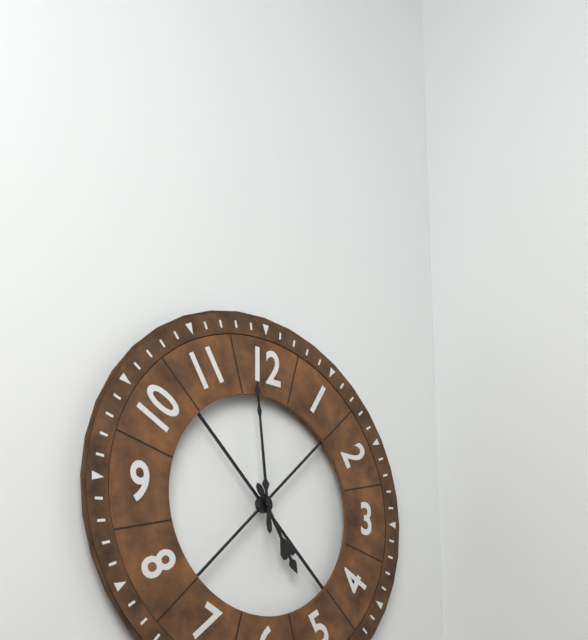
4h59
